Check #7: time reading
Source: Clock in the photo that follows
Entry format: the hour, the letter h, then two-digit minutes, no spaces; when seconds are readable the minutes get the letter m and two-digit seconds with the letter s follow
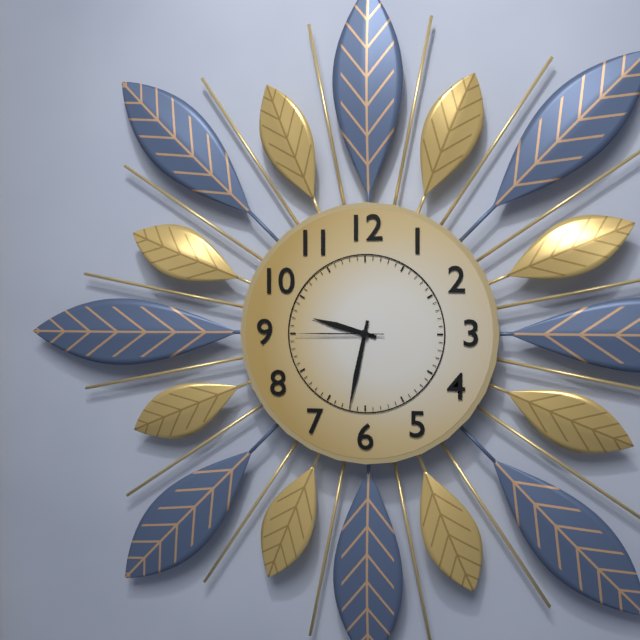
9h32m45s
